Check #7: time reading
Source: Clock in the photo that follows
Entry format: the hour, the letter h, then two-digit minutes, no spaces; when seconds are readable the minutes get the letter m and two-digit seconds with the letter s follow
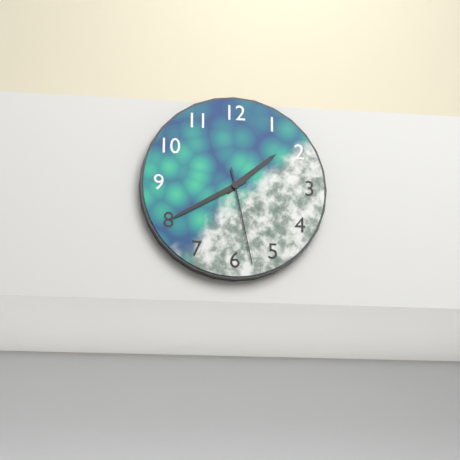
1h40m28s
